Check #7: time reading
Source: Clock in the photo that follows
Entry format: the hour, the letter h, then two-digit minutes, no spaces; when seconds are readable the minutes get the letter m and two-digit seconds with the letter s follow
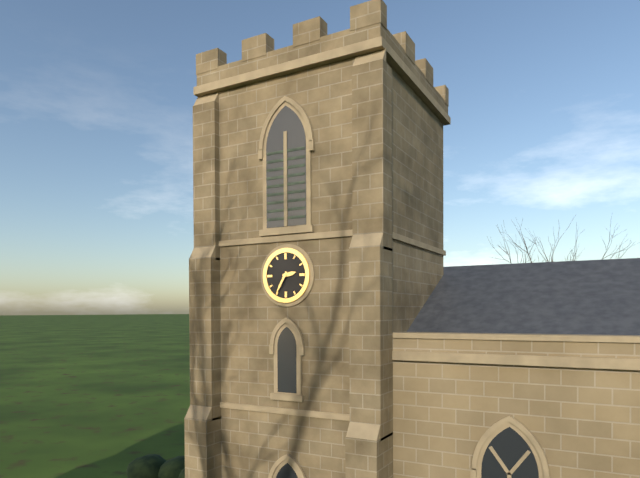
2h35
